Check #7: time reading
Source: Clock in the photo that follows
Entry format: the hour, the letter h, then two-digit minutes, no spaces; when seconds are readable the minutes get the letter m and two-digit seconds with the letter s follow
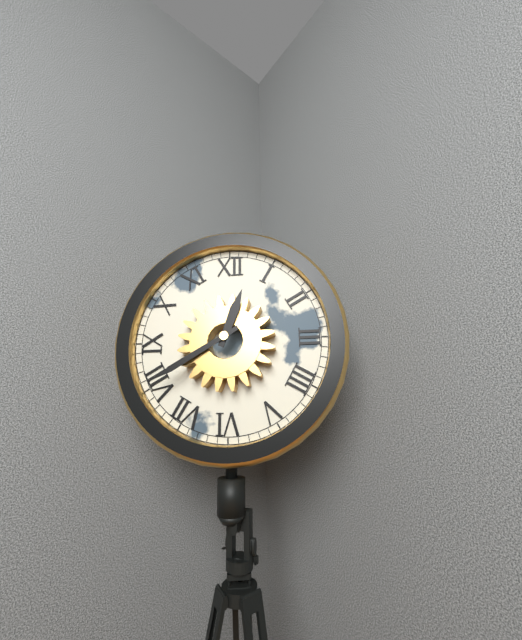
12h40
